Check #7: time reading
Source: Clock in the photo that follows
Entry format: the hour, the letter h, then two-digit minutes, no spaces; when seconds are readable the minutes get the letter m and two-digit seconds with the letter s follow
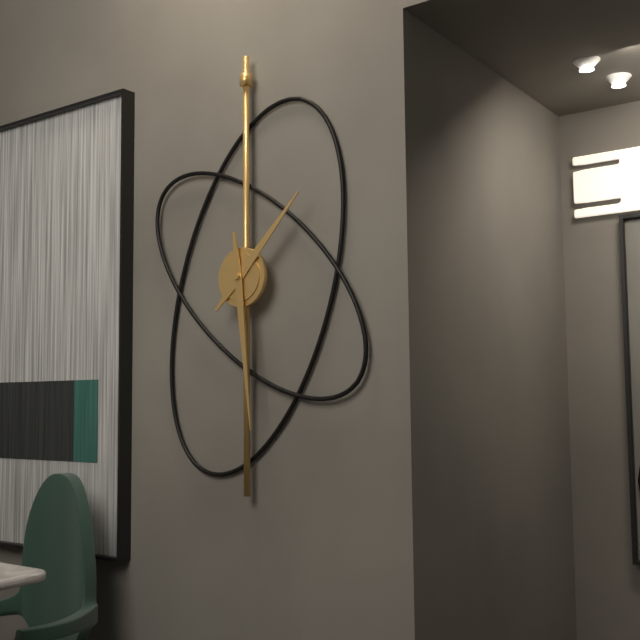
1h29
